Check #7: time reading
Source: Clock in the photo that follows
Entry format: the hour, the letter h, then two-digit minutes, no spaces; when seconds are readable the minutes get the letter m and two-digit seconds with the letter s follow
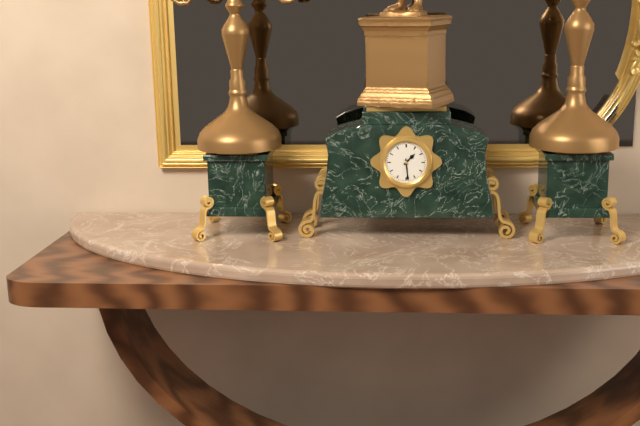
1h29
